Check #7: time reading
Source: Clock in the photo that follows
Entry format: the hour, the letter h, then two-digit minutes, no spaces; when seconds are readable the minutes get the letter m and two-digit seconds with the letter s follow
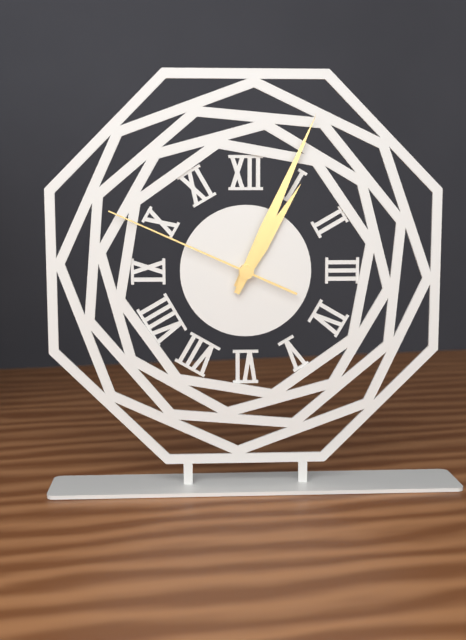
1h04m49s
